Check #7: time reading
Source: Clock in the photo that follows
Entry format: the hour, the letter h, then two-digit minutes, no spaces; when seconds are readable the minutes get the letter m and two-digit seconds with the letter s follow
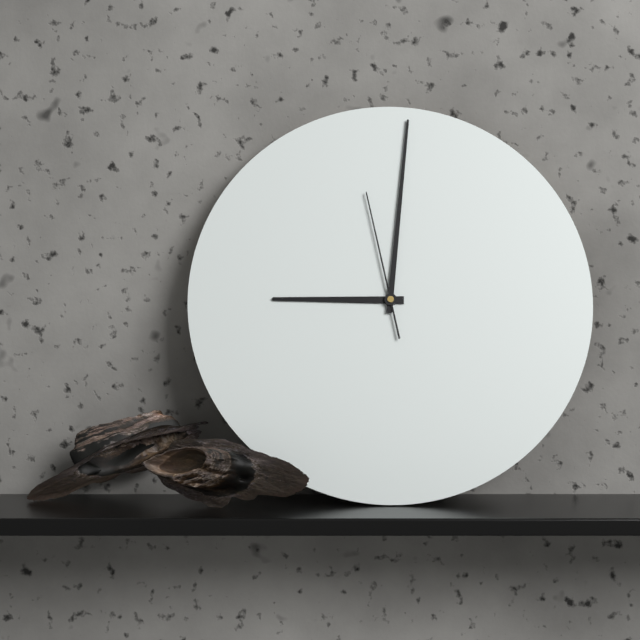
9h01m58s
